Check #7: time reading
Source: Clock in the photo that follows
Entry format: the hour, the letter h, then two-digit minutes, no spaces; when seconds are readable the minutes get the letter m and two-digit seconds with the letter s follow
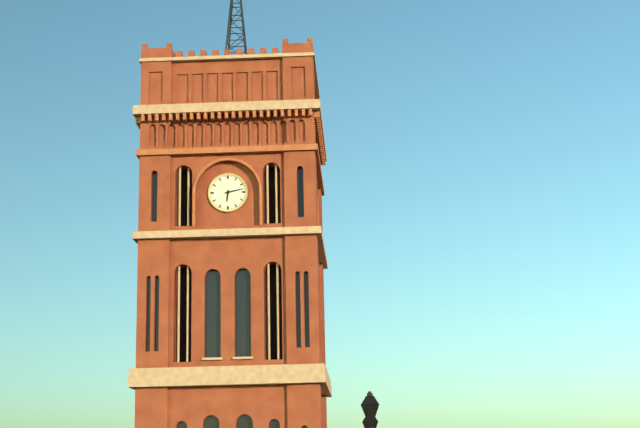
6h13
